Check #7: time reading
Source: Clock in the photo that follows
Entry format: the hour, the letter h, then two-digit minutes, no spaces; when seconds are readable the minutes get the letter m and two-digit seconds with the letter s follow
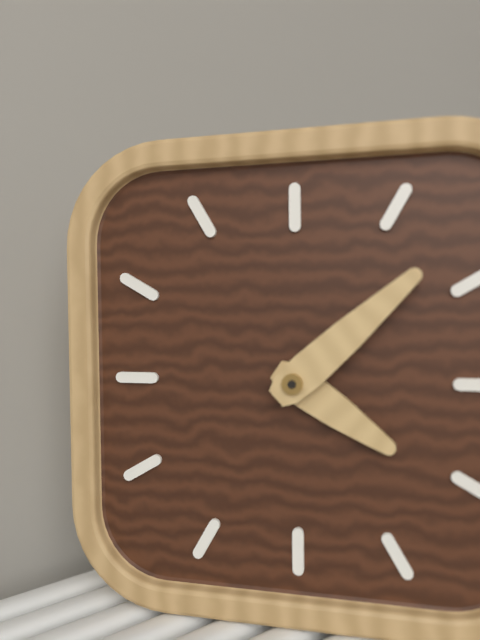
4h08
